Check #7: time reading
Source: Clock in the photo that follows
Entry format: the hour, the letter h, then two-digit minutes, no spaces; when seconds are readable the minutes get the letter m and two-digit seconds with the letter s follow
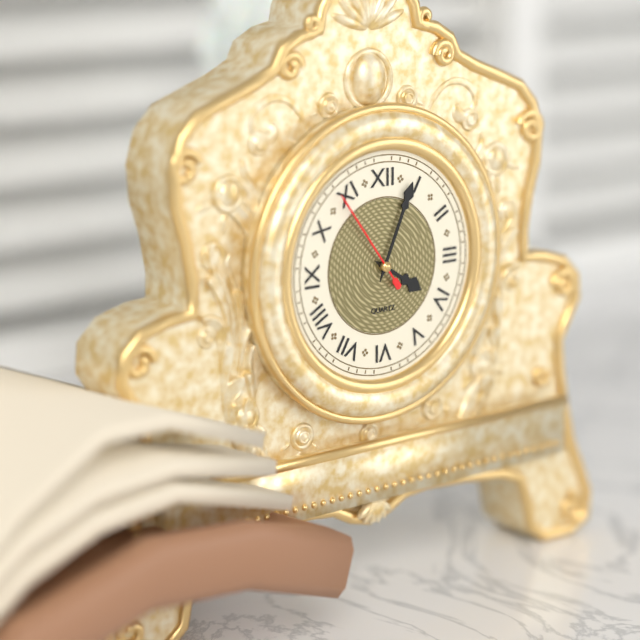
4h04m54s
